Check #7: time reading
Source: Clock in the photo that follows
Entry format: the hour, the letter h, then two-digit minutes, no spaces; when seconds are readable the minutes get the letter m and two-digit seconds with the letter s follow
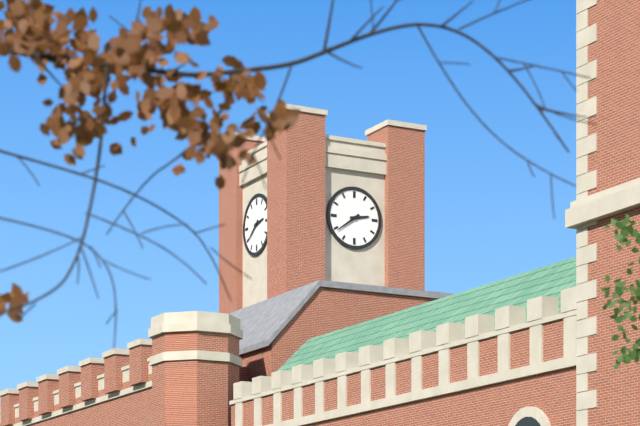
2h39
